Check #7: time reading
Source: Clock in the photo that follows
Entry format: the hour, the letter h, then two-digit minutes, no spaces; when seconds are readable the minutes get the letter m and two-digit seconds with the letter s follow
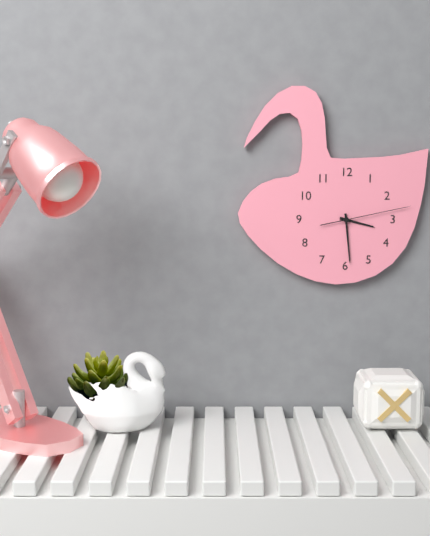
3h29m13s
